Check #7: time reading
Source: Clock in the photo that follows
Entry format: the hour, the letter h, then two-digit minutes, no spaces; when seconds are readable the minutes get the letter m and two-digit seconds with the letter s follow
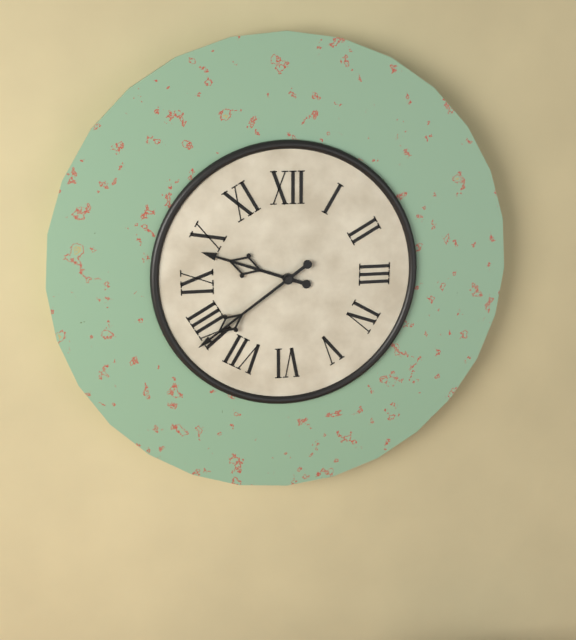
9h39
